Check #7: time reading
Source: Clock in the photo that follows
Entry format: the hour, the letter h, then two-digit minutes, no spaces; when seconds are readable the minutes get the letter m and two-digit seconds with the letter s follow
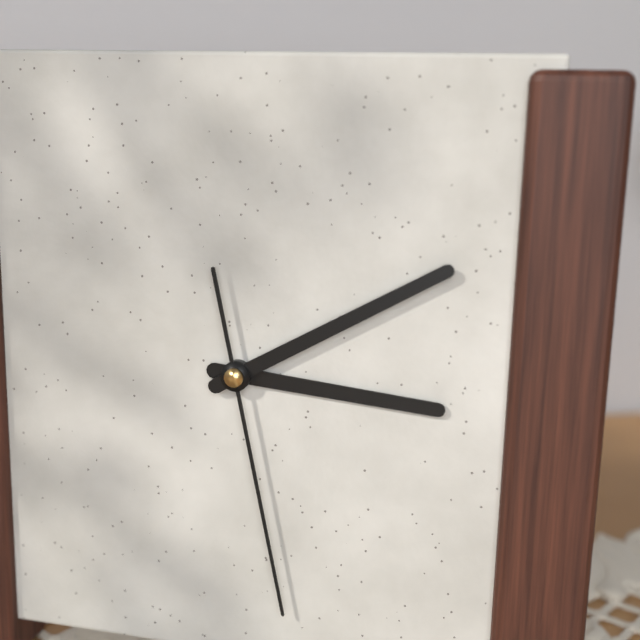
3h10m28s
